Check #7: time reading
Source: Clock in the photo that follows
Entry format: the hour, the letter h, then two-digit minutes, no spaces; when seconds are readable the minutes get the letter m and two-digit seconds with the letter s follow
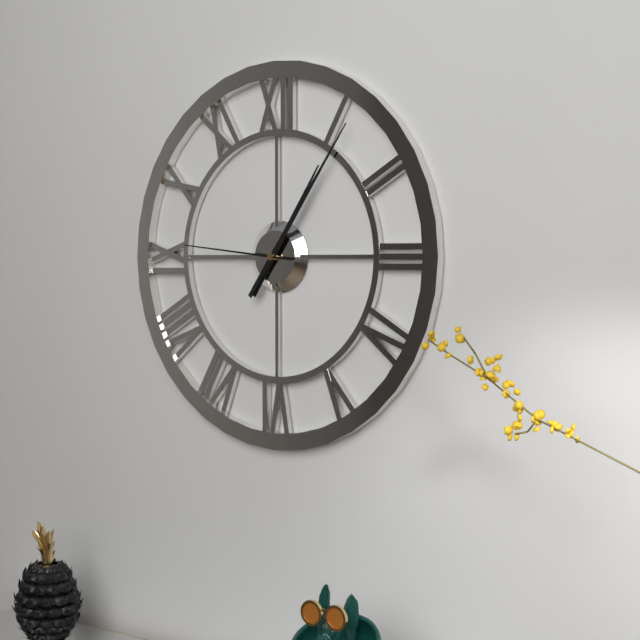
1h06m46s
